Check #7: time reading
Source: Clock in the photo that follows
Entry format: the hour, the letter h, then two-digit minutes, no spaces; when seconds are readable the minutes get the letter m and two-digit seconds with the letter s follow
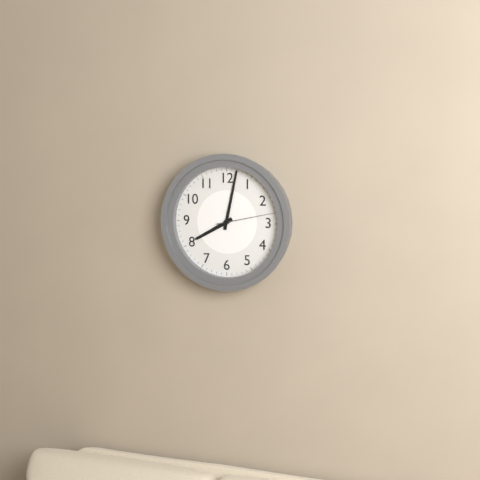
8h02m13s
